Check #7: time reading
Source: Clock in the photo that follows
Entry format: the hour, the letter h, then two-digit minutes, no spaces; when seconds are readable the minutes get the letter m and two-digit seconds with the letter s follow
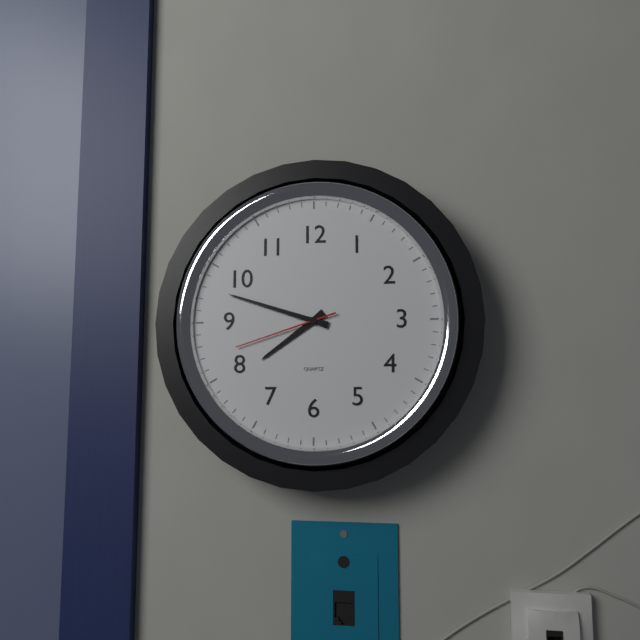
7h48m42s
